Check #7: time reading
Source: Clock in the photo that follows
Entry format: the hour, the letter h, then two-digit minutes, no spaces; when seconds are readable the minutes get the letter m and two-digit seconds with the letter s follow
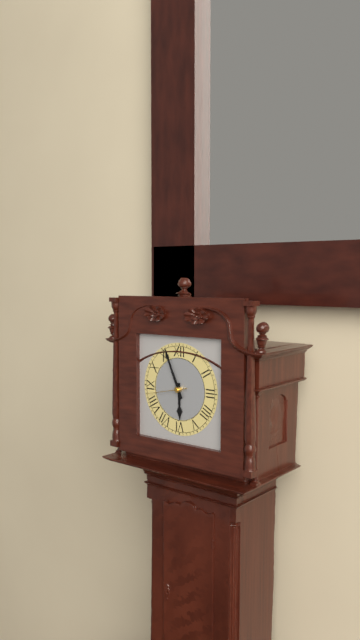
5h56
